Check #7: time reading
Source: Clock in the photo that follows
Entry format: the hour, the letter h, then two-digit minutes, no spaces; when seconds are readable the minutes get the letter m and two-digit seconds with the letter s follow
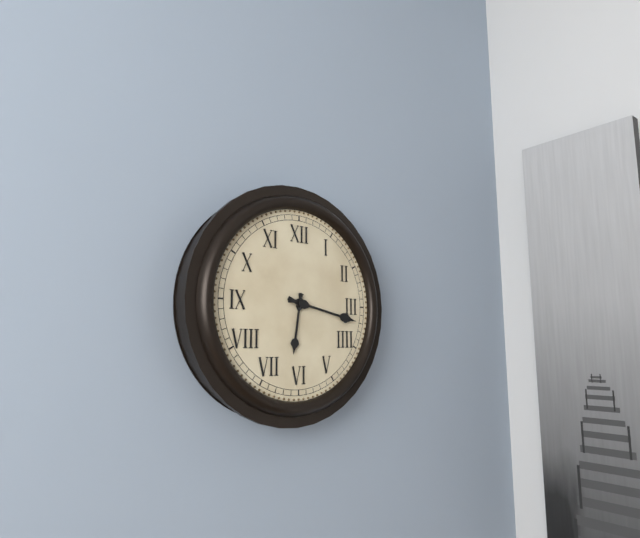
6h17
